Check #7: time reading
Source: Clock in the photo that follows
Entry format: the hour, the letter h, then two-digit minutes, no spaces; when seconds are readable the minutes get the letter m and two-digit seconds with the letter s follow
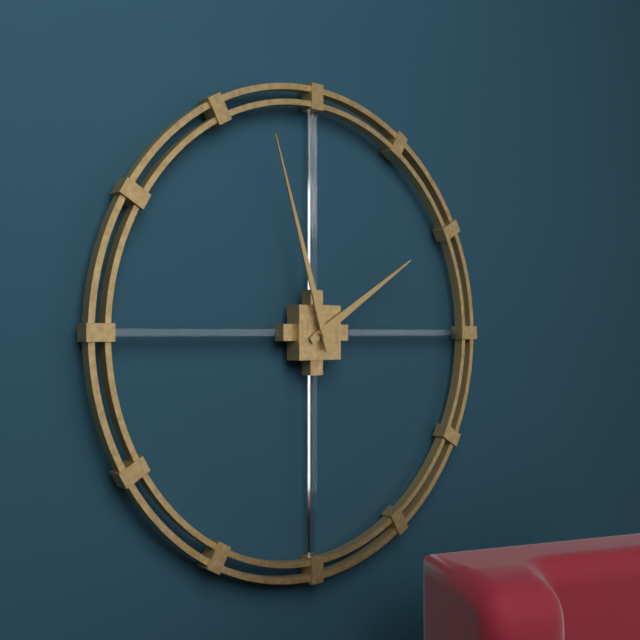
1h57
